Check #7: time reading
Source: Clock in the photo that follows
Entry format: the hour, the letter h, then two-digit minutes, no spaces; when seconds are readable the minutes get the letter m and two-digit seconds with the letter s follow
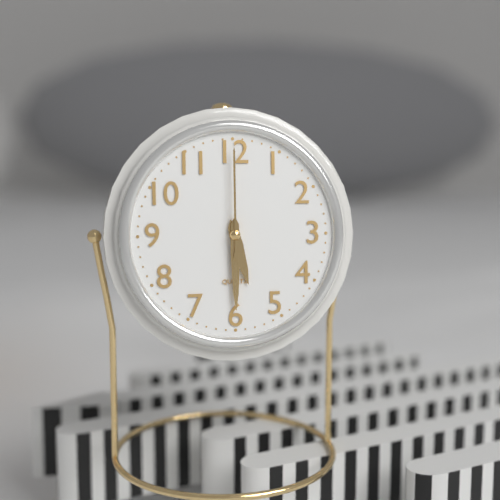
5h30m00s
